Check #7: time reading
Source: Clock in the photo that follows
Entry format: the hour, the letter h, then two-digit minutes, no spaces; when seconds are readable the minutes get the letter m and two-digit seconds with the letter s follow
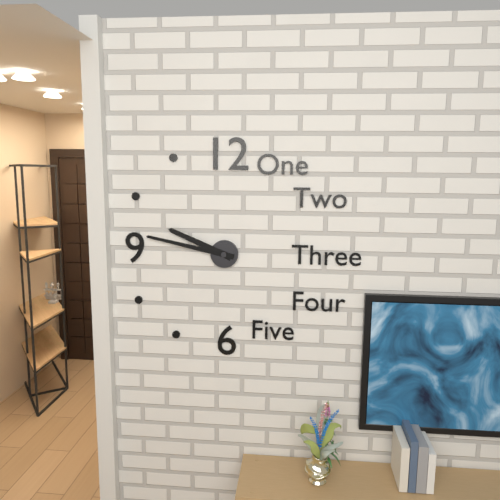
9h47
